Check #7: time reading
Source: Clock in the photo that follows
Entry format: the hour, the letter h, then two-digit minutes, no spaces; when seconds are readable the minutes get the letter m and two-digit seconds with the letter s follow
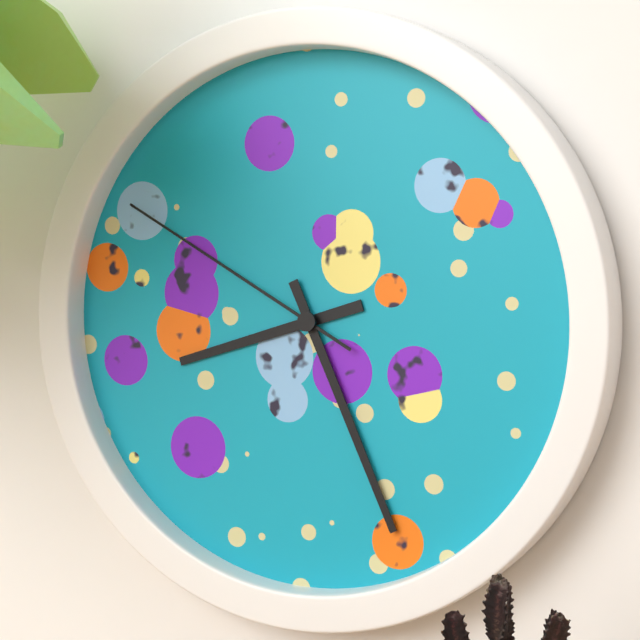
8h26m50s
